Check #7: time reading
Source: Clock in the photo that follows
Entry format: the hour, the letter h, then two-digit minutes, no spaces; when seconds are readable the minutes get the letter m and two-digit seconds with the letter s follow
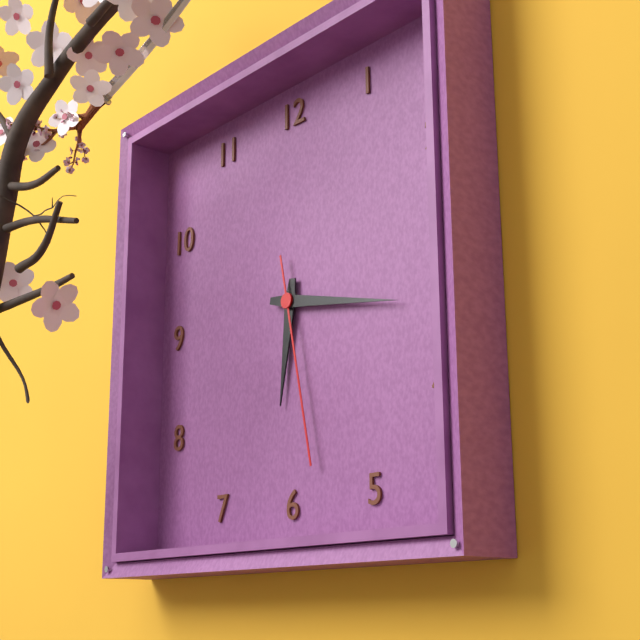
6h17m28s
